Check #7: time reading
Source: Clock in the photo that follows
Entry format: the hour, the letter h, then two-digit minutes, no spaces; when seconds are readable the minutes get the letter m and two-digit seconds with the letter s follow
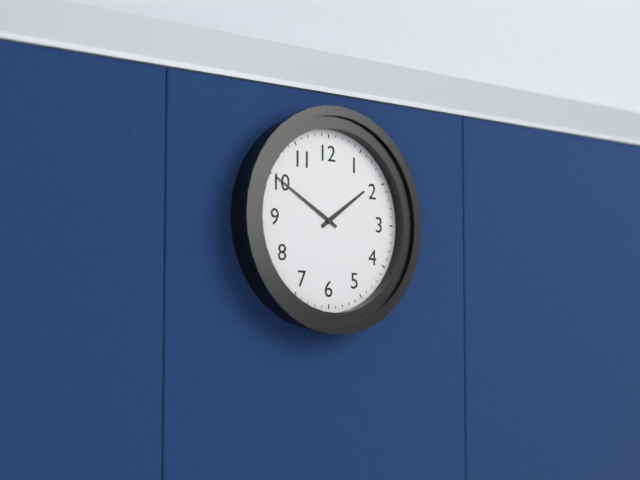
1h50
